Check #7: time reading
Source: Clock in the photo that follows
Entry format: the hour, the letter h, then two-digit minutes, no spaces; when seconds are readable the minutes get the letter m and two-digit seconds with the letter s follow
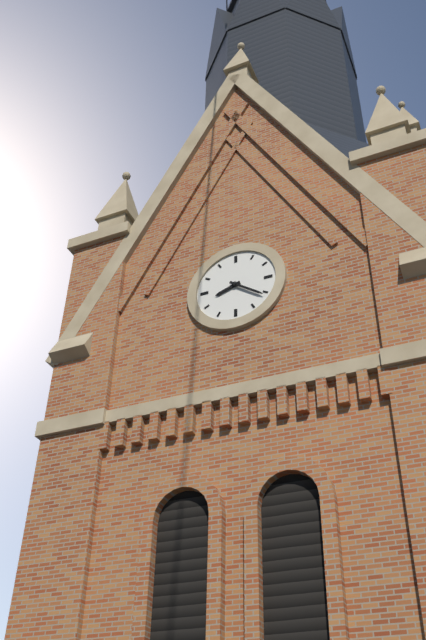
8h21
